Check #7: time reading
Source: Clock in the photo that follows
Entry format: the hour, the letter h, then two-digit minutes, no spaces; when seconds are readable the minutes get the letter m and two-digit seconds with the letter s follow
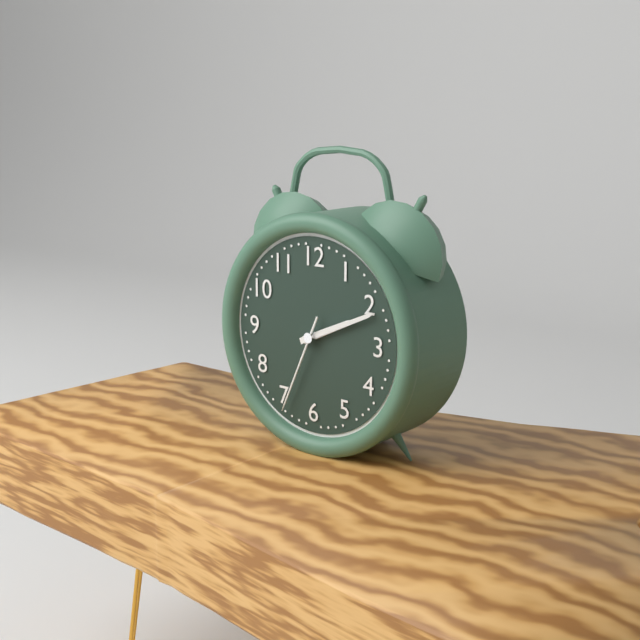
2h11m34s
